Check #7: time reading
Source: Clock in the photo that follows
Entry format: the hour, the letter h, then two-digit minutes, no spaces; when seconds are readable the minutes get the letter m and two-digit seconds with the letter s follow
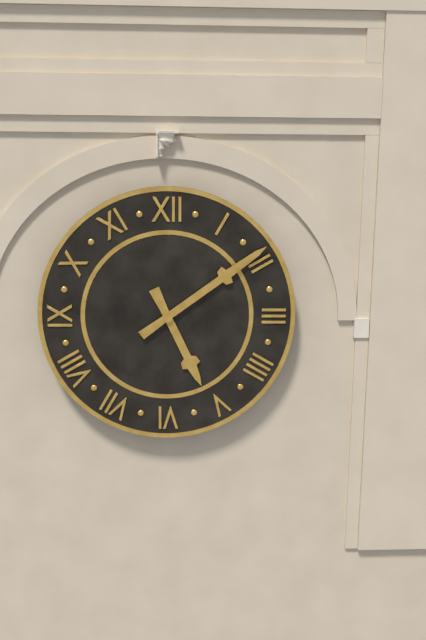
5h09
